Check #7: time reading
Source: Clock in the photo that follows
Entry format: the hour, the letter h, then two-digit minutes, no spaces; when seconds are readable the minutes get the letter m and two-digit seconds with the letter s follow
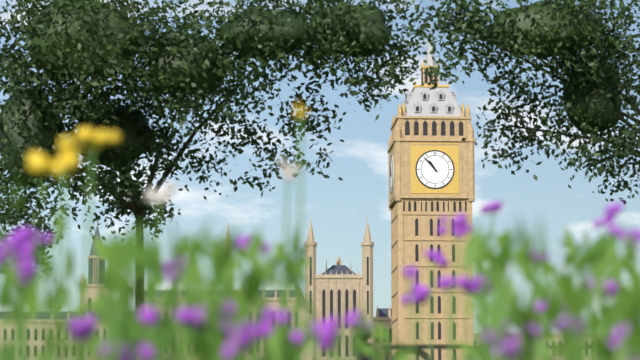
10h53
